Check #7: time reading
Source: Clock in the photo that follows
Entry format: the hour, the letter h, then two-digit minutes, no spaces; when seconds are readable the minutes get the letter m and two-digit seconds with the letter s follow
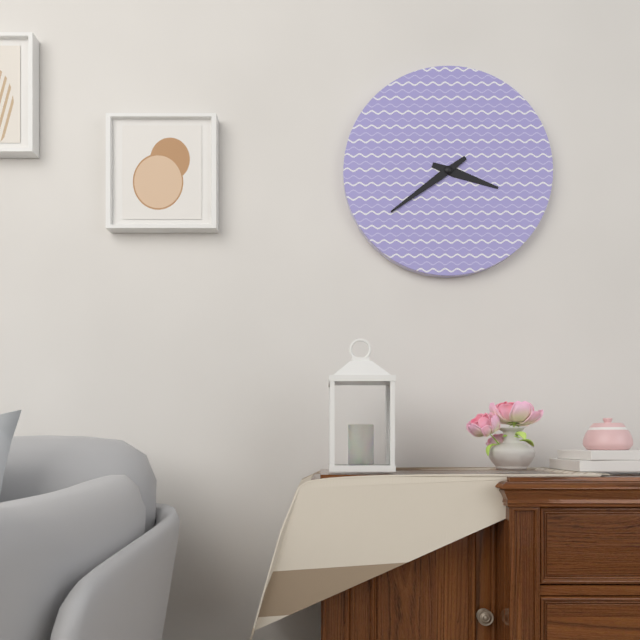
3h39
